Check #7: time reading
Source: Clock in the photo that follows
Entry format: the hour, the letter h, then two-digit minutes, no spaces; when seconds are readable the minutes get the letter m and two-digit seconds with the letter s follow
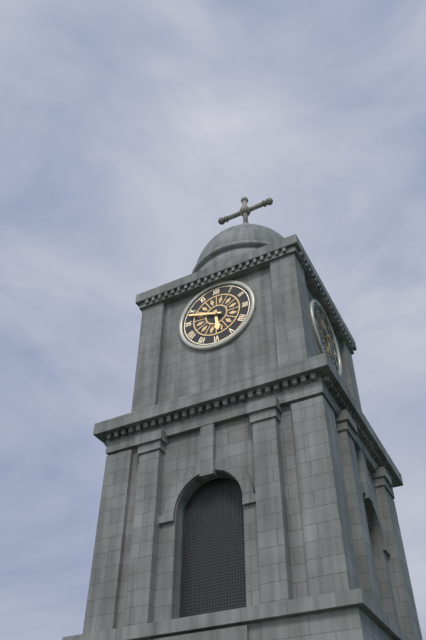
5h48
